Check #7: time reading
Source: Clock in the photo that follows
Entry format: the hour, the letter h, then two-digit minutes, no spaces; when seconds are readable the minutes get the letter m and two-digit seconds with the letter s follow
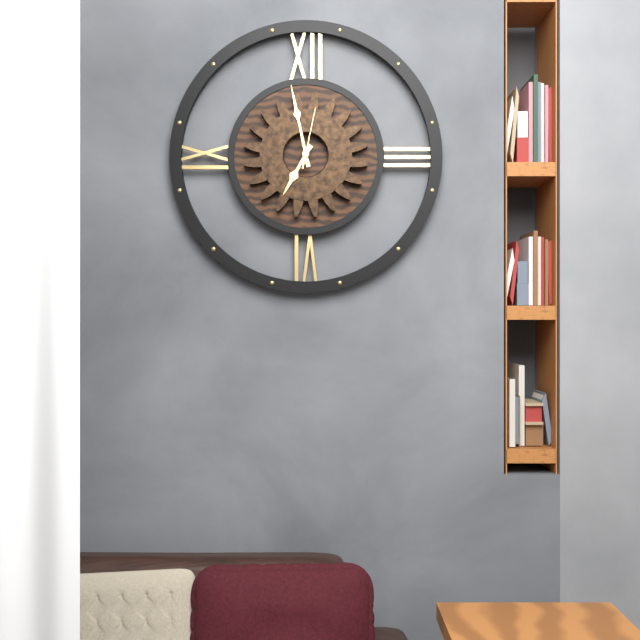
6h58m02s
